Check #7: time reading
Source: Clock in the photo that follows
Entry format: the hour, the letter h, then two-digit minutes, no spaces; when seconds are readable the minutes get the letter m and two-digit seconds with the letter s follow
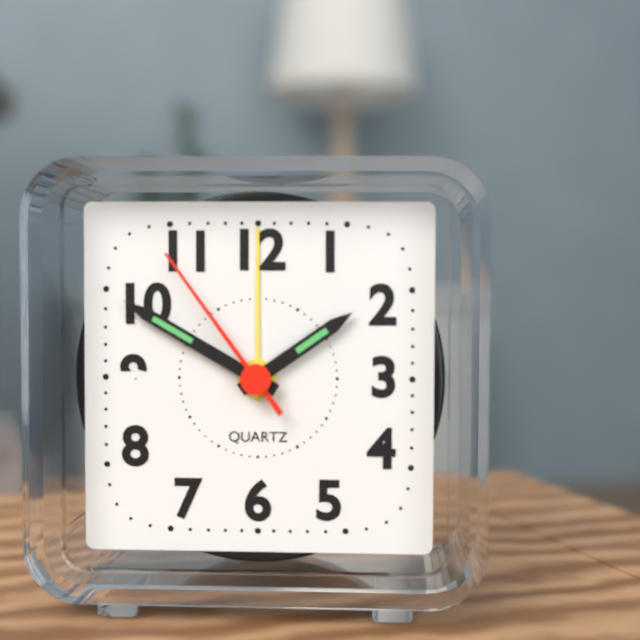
1h50m54s
